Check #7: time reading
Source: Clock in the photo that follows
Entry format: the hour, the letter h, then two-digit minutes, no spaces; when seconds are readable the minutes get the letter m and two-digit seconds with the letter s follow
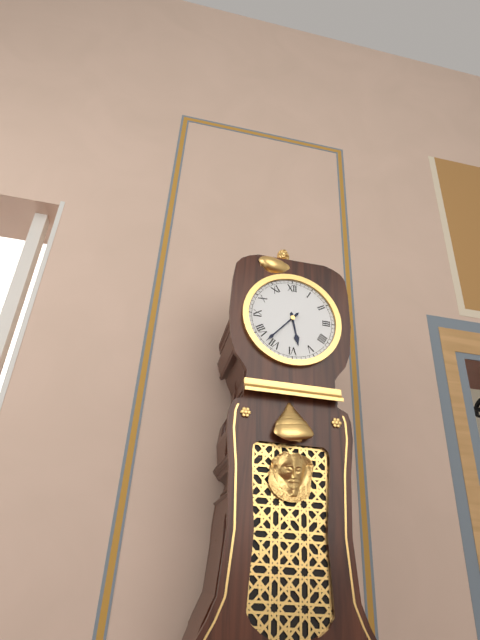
5h37
